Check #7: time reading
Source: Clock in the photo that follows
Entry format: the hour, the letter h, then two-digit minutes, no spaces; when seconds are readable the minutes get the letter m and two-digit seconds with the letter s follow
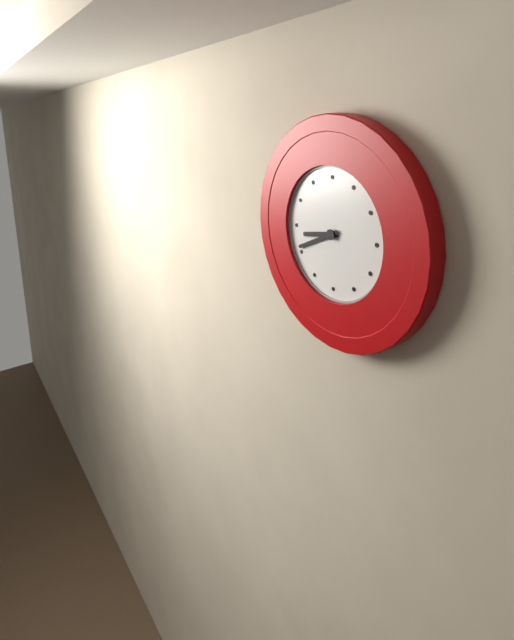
8h41
